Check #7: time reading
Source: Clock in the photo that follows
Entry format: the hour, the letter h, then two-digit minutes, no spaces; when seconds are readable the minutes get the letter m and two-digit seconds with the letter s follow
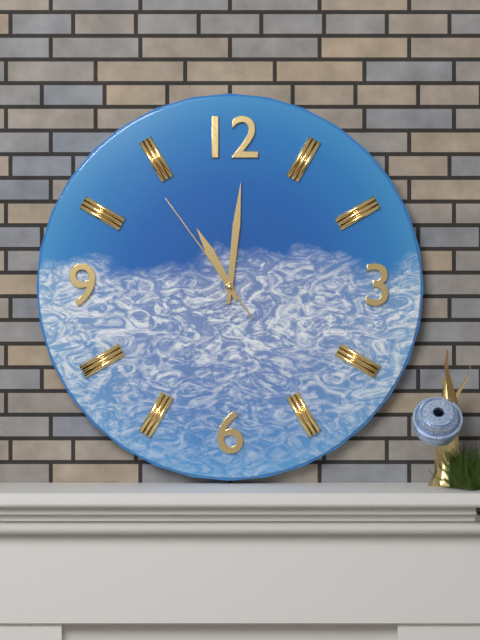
11h01m54s
